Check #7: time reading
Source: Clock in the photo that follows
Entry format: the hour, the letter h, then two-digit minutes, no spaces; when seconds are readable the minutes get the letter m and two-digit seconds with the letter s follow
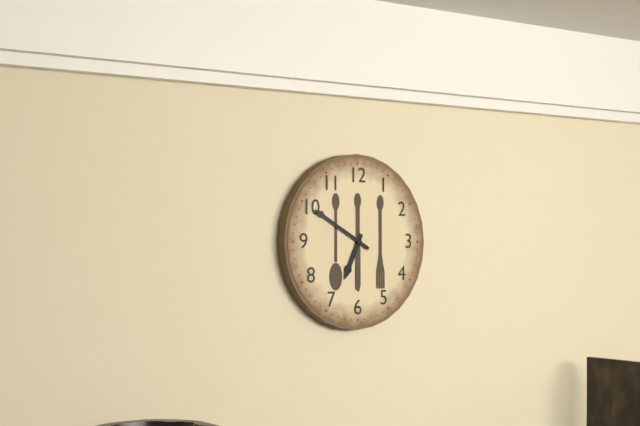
6h50
